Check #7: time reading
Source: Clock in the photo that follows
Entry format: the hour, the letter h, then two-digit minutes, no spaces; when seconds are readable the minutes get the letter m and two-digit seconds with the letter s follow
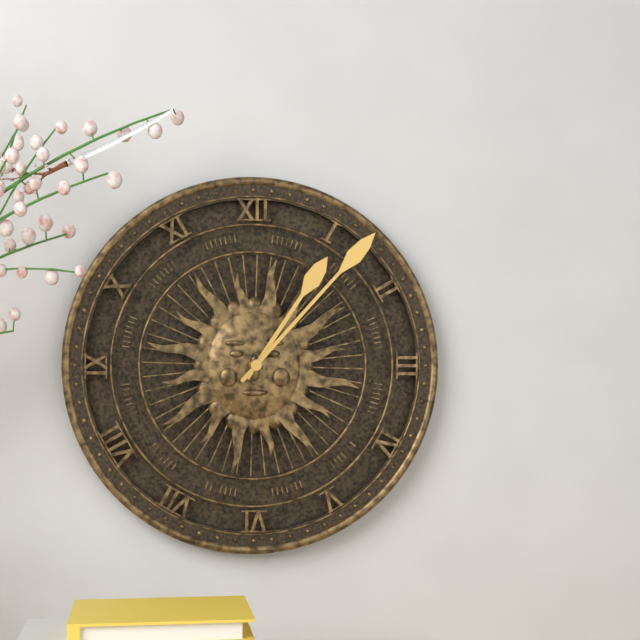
1h07
